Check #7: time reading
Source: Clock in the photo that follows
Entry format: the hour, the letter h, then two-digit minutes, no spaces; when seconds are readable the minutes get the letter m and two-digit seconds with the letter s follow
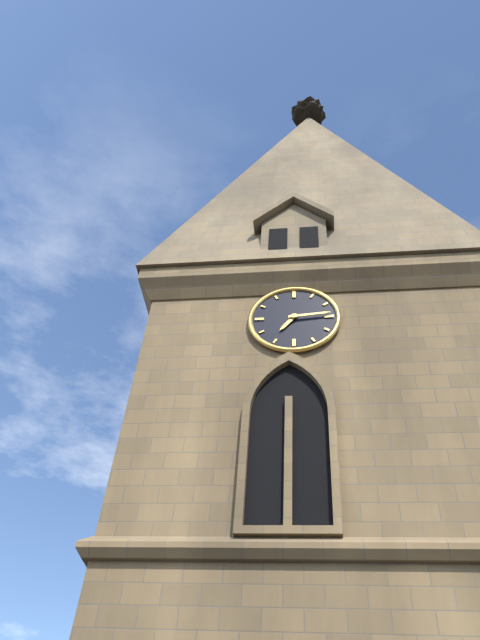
7h14
